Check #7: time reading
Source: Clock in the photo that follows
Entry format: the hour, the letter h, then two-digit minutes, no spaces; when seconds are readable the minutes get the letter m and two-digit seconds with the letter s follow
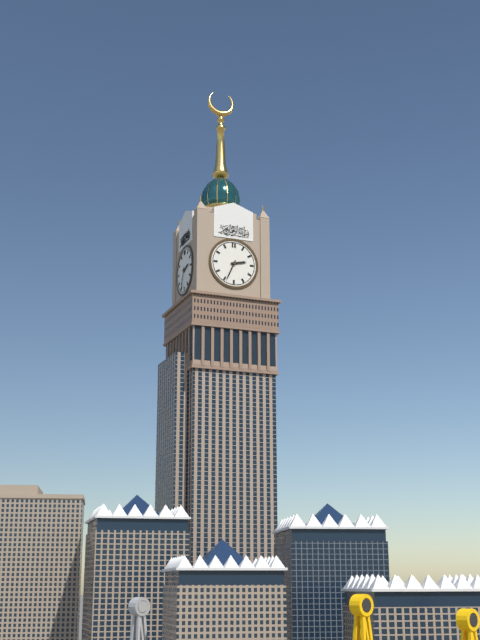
2h34
